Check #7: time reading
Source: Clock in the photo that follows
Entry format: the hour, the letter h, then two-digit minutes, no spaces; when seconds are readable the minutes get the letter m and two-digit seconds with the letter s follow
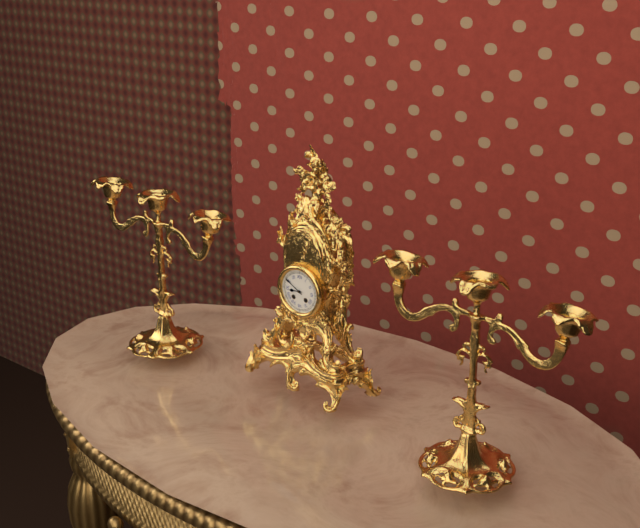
8h50
